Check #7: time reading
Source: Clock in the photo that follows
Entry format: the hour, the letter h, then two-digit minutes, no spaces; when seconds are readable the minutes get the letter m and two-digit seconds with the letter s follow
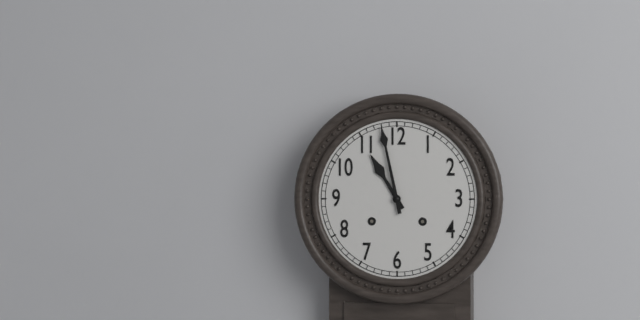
10h58
